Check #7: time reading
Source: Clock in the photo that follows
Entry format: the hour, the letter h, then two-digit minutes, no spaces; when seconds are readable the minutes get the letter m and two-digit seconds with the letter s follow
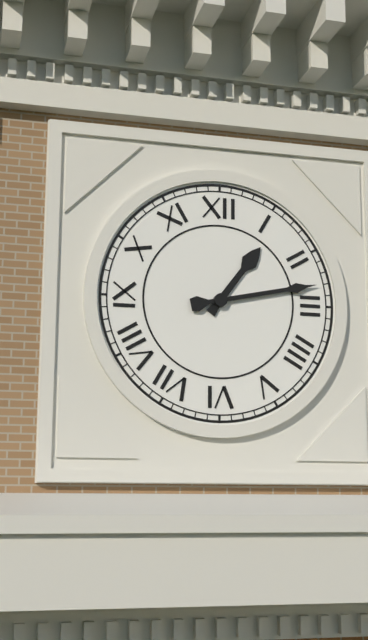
1h13
